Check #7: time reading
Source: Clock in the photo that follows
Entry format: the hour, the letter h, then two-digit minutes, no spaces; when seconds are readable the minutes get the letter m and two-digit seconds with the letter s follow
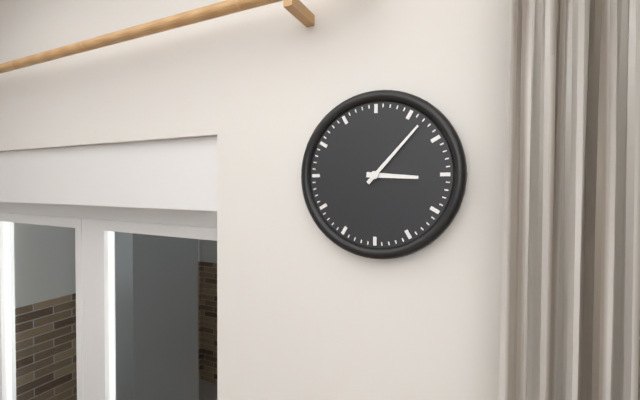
3h07
